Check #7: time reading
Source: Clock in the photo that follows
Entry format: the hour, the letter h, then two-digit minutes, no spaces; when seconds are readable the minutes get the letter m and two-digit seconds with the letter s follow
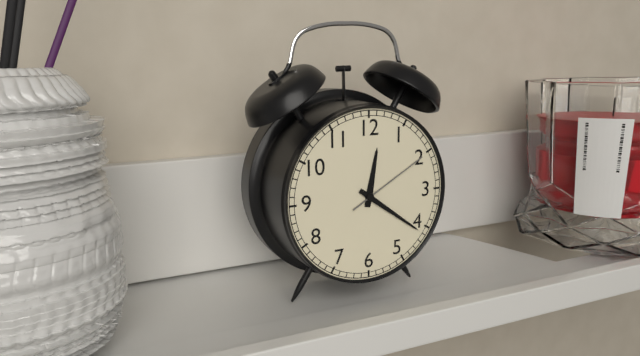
12h21m10s
